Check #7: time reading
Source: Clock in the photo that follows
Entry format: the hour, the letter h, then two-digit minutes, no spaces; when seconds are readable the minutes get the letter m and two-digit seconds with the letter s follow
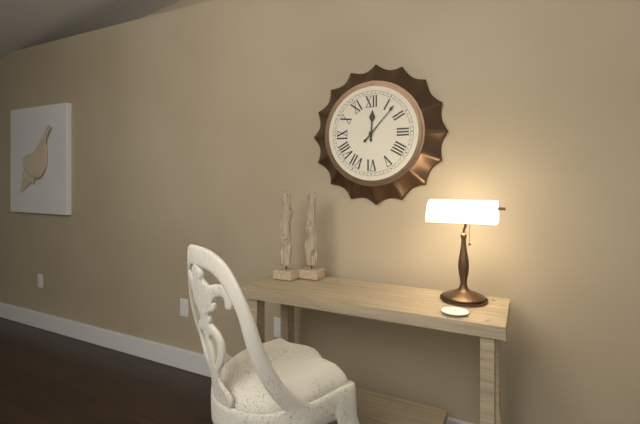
12h07
